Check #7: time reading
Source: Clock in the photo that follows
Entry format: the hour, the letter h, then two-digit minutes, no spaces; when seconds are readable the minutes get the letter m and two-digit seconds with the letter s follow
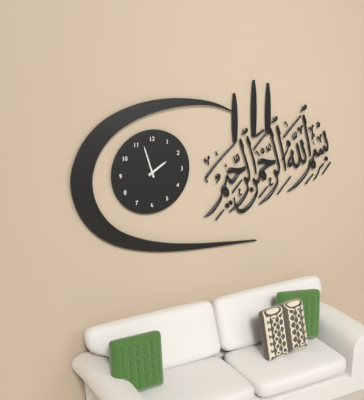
1h57
